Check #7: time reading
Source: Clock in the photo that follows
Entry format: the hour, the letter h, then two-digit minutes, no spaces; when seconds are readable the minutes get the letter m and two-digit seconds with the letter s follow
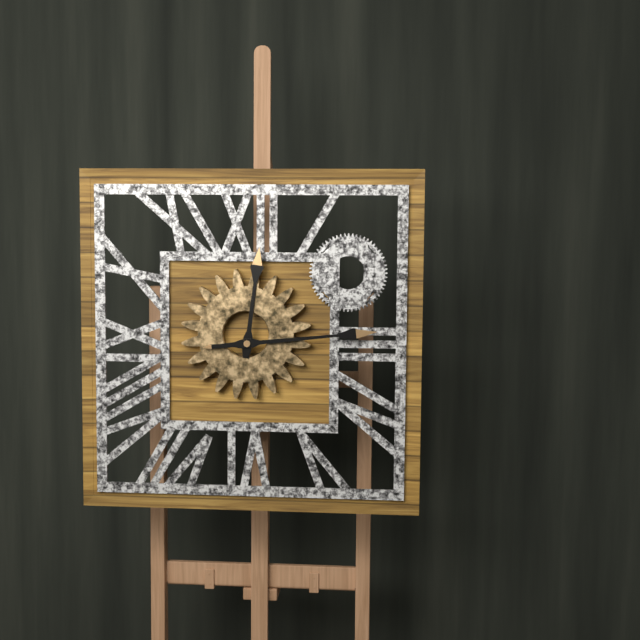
12h14
